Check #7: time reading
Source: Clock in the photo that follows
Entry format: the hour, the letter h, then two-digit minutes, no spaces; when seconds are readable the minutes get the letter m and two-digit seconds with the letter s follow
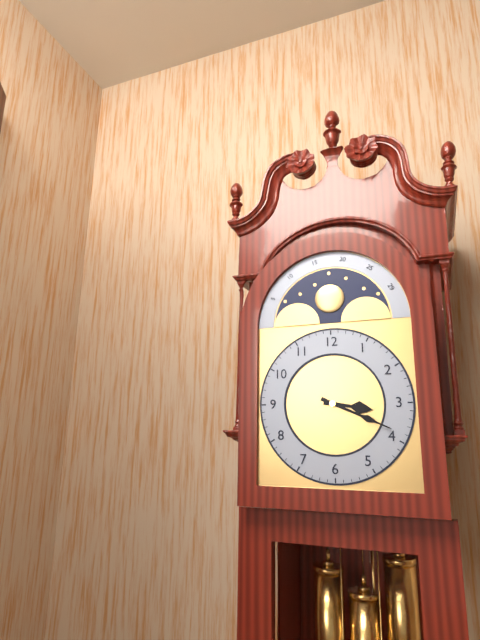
3h19
